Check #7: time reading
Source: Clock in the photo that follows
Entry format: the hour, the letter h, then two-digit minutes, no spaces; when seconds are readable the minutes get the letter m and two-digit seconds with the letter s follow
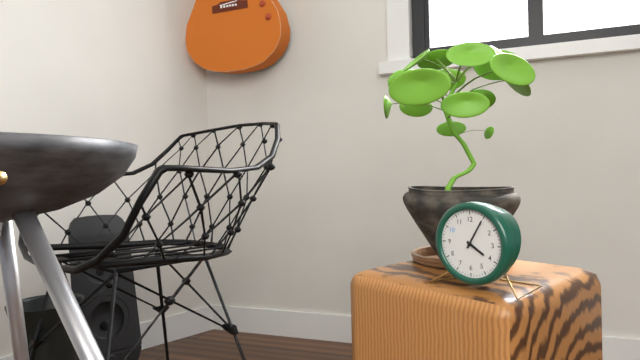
4h05
